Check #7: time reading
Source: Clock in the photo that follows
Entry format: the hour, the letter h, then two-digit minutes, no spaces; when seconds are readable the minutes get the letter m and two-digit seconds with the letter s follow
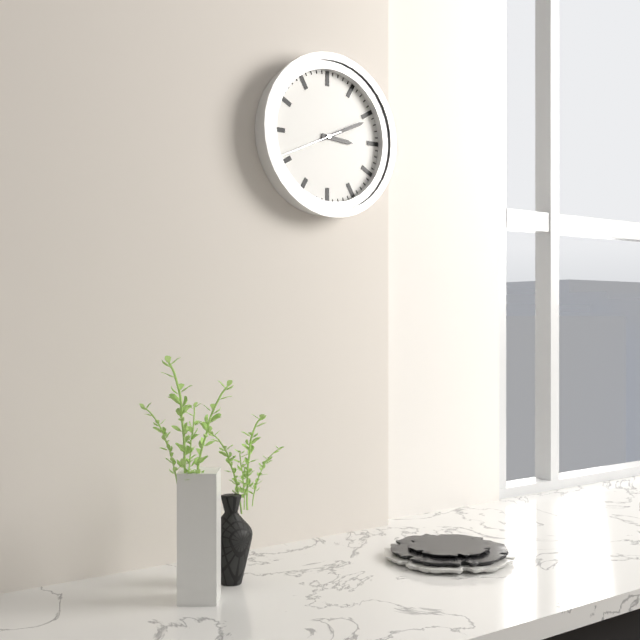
3h11m41s
